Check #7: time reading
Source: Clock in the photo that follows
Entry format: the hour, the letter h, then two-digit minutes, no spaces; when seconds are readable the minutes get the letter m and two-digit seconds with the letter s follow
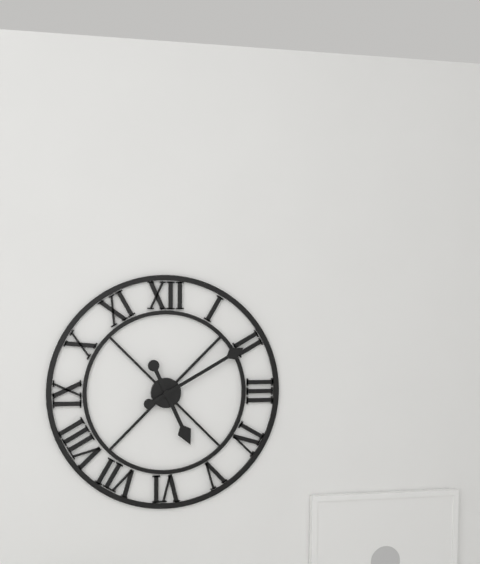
5h10
